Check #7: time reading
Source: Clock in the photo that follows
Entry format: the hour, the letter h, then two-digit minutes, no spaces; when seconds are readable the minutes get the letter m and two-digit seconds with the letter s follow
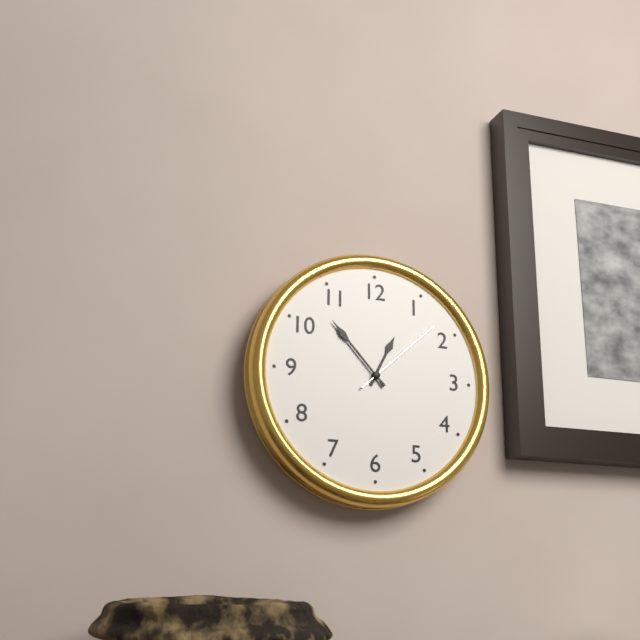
12h53m08s
